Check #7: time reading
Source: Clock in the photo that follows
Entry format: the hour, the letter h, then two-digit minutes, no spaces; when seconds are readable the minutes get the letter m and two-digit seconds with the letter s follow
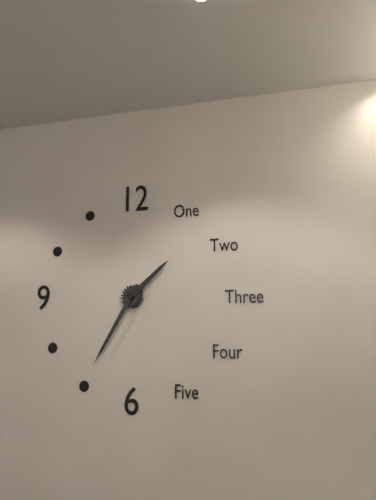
1h35
